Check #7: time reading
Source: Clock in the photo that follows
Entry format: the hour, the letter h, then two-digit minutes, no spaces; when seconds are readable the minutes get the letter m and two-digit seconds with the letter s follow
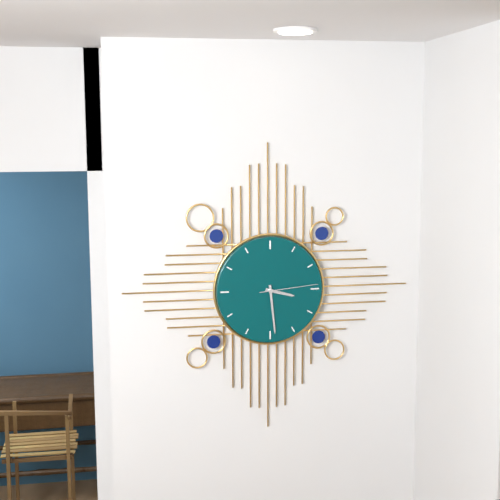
3h29m14s
